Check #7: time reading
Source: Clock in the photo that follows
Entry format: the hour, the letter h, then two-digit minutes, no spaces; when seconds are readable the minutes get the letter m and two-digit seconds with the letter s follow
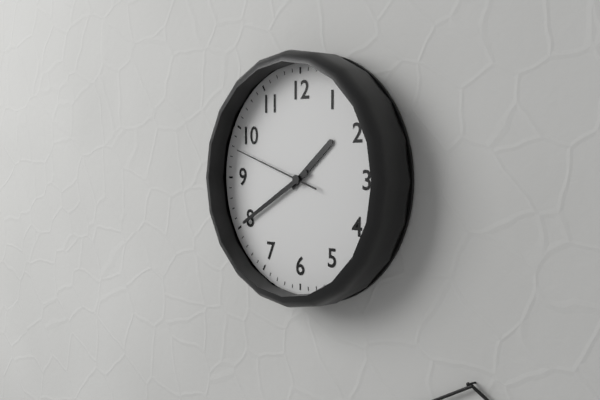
1h40m48s
